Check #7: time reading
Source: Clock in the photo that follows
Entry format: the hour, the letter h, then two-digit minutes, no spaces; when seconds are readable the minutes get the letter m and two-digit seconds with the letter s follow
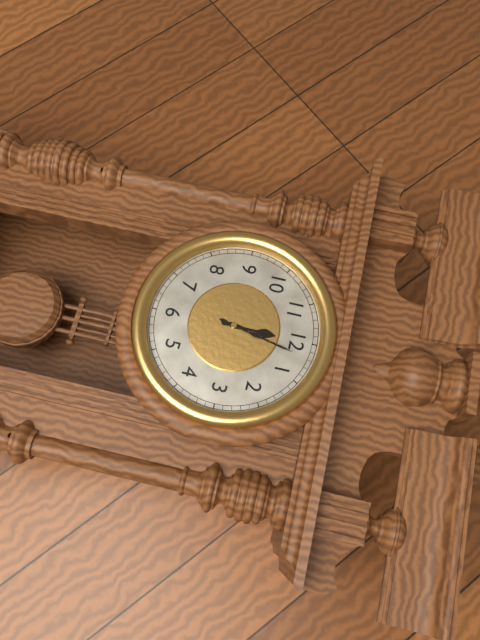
12h02
